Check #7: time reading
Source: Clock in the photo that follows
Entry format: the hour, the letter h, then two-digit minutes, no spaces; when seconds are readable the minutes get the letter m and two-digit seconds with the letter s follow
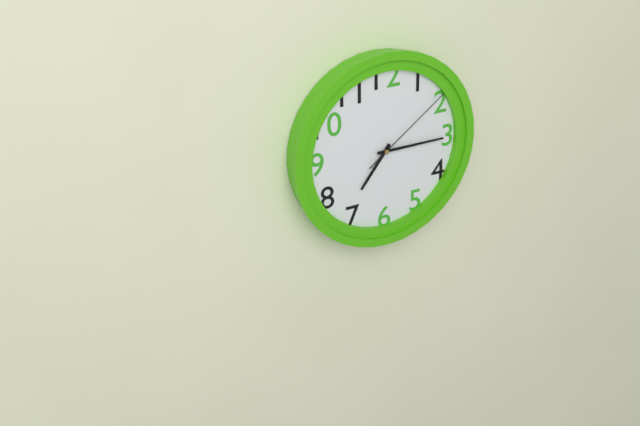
7h15m09s
